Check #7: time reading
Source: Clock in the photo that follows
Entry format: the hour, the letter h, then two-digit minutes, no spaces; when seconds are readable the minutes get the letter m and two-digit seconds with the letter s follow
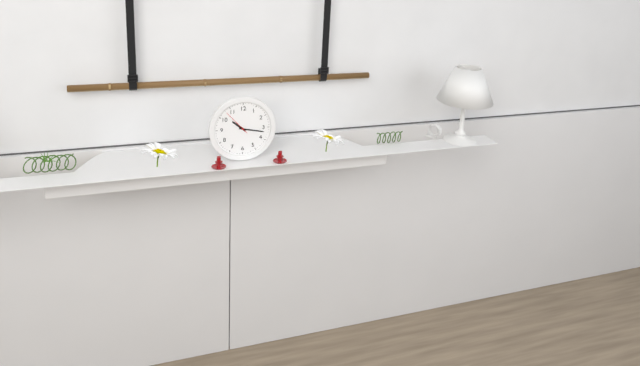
10h17
